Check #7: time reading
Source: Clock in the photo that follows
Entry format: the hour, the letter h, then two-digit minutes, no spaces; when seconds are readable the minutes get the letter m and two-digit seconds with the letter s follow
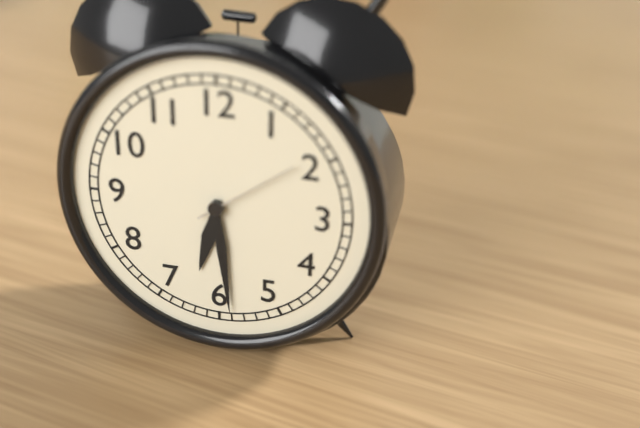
6h29m09s
